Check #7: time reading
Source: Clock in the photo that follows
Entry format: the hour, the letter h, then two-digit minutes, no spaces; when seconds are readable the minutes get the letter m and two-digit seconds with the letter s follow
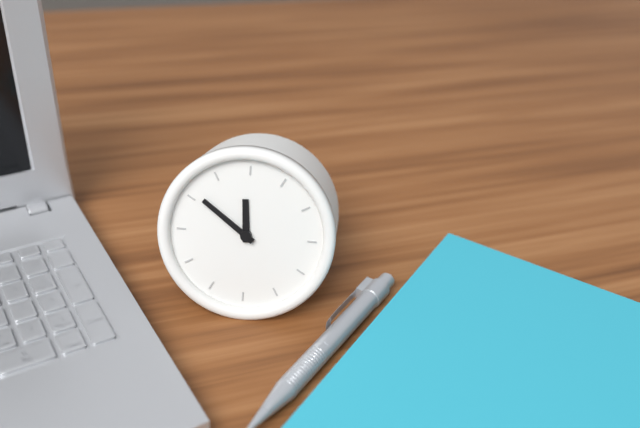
11h51
